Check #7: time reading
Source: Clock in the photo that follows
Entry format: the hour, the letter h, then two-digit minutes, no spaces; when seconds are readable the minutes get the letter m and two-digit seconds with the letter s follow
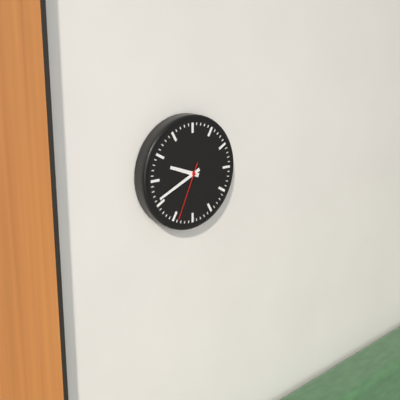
9h41m34s
